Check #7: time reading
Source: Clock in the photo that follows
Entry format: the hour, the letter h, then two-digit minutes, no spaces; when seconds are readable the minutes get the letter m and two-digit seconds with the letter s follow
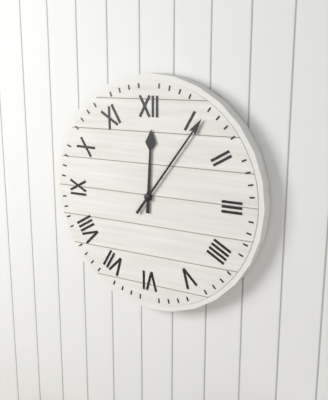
12h06
